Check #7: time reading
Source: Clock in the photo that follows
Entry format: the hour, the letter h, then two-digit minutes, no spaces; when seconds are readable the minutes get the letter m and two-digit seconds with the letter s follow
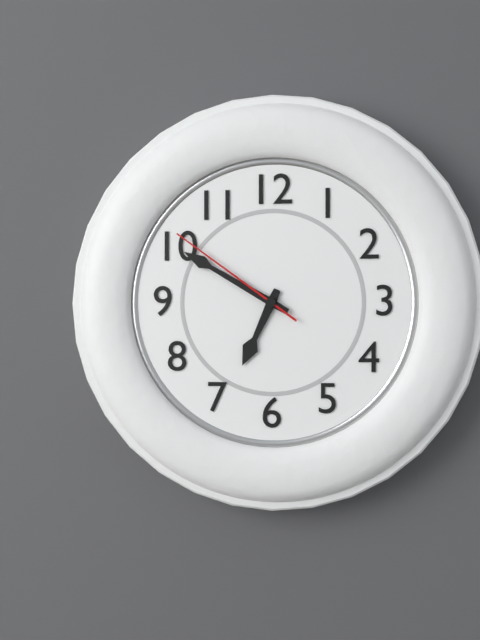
6h50m51s
